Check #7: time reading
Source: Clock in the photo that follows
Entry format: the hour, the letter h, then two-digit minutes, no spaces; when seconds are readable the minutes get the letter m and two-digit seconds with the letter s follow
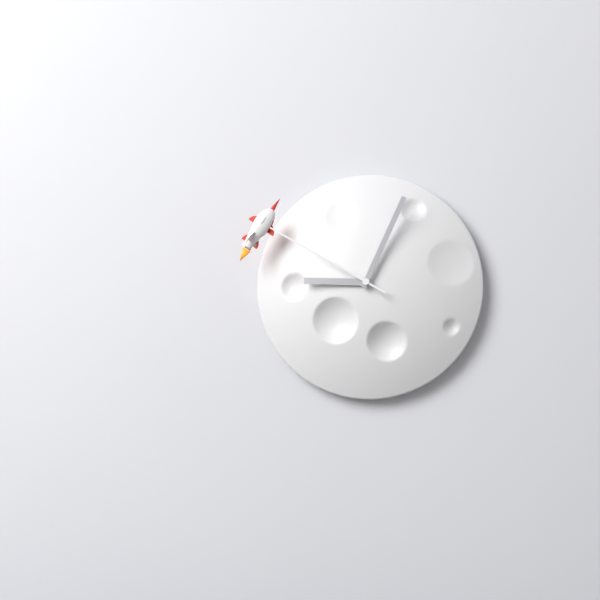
9h04m50s
